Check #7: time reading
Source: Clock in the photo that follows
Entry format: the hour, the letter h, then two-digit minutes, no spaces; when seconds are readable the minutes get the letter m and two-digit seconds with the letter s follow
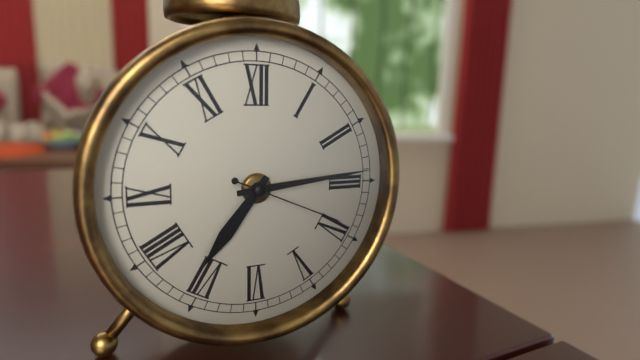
7h14m19s
